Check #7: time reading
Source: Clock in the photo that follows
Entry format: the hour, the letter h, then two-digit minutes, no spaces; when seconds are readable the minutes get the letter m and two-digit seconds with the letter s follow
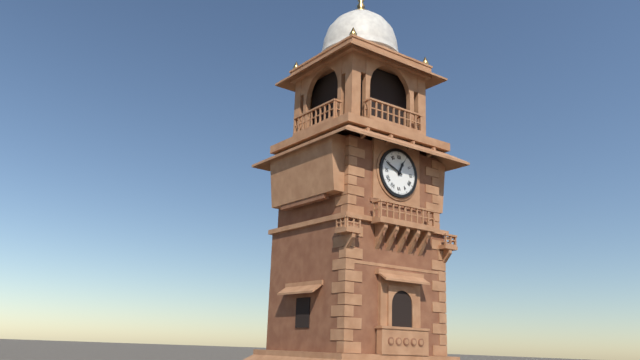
12h49
